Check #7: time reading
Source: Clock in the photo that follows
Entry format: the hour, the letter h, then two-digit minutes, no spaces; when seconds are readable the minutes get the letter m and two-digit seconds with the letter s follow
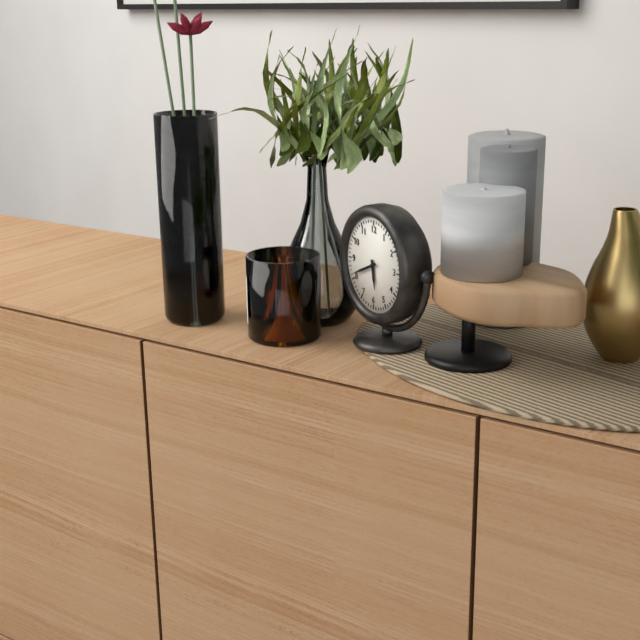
5h41
